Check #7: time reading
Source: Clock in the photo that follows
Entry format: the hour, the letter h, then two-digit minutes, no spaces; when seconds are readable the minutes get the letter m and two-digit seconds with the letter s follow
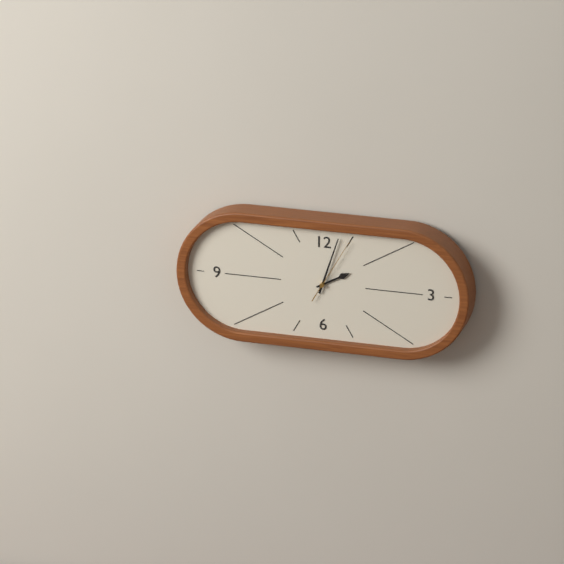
2h03m05s
